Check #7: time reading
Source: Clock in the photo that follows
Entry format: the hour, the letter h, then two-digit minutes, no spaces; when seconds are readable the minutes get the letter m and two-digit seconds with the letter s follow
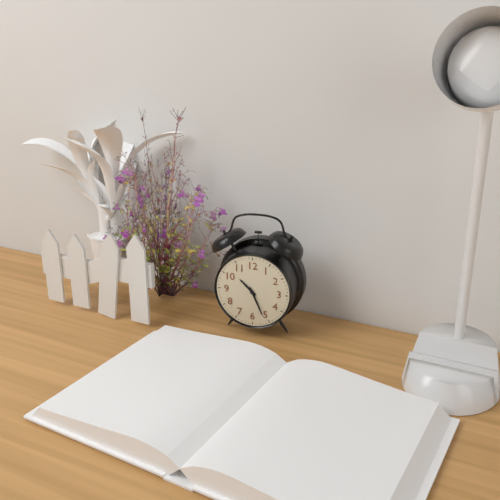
10h26
